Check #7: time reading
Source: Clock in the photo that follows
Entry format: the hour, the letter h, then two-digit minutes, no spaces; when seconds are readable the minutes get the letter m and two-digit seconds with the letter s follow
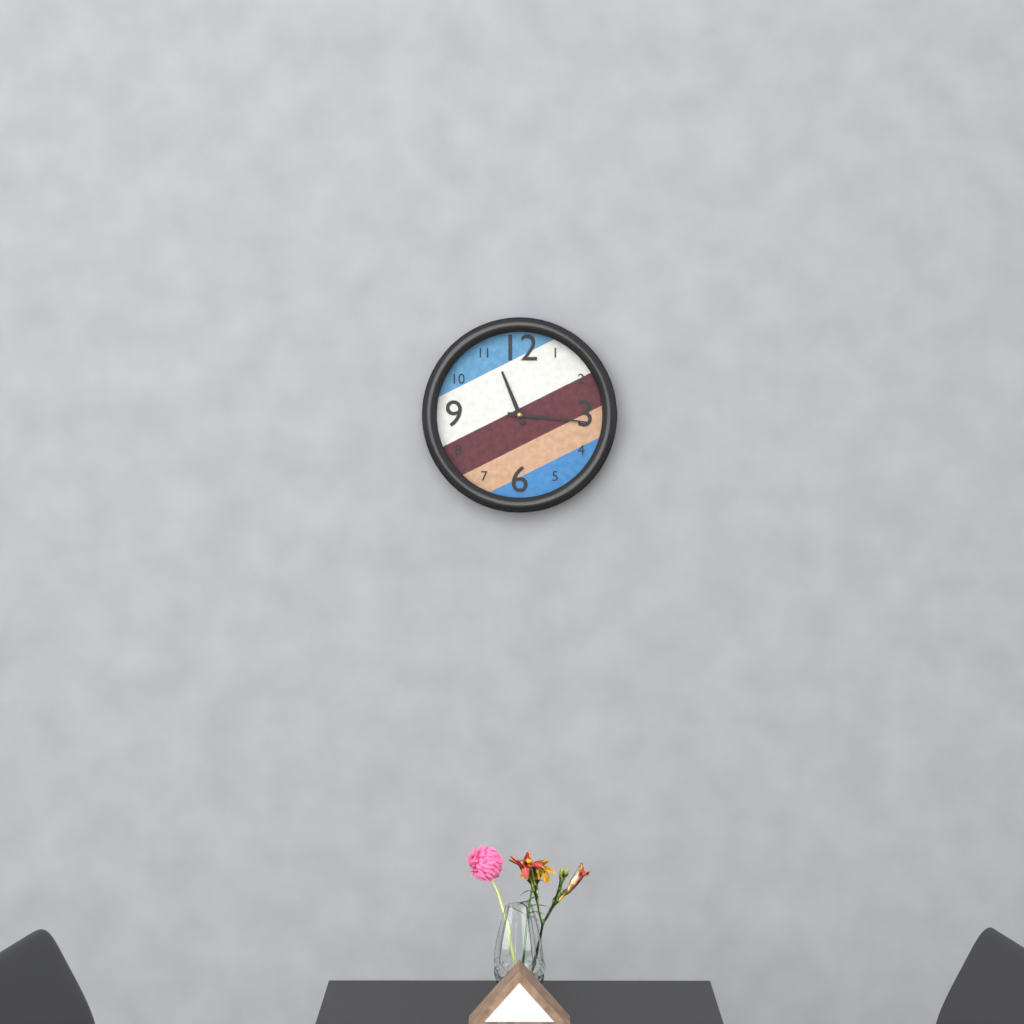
11h16
